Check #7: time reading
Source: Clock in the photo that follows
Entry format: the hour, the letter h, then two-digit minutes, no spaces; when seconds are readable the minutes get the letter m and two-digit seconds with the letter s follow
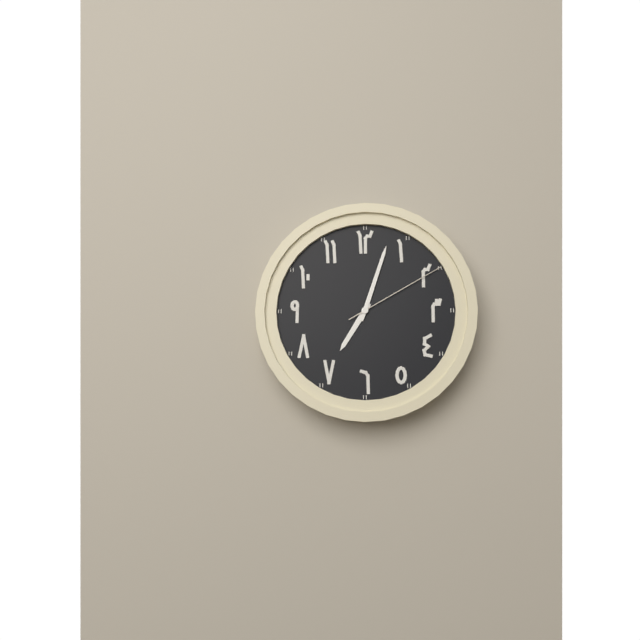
7h03m10s
